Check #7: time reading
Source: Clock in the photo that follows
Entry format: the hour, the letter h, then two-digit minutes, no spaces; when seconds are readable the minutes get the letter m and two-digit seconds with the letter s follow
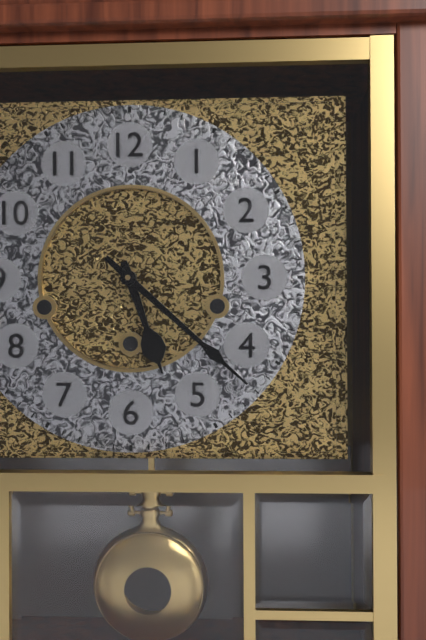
5h22
